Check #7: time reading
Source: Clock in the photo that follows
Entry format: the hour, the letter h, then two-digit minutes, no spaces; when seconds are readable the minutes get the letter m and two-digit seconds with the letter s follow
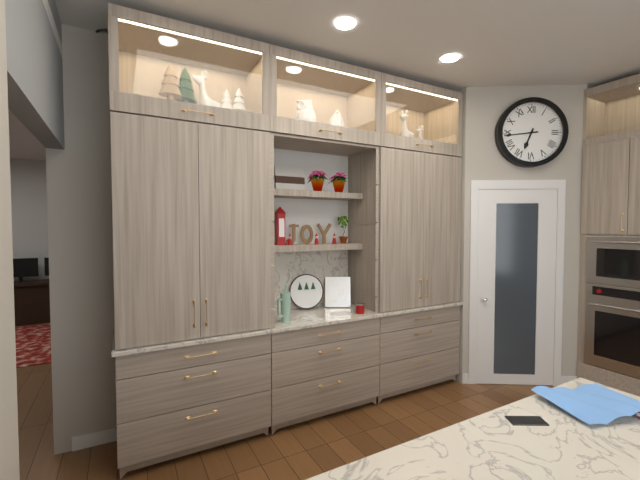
6h44
